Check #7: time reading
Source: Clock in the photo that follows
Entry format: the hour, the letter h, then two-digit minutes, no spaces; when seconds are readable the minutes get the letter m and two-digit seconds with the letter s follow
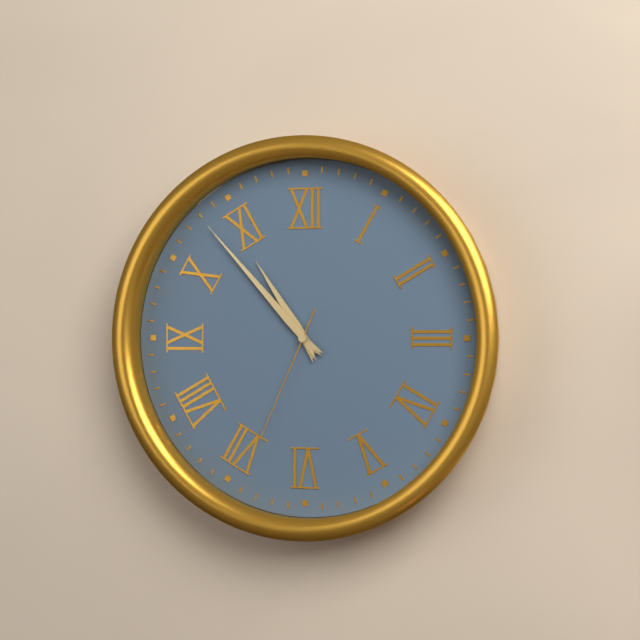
10h53m34s
